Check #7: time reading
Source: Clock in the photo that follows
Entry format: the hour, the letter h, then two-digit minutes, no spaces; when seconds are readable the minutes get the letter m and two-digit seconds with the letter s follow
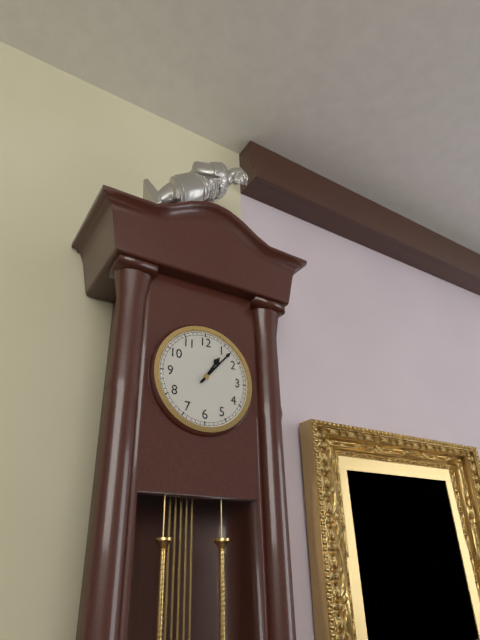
1h07
